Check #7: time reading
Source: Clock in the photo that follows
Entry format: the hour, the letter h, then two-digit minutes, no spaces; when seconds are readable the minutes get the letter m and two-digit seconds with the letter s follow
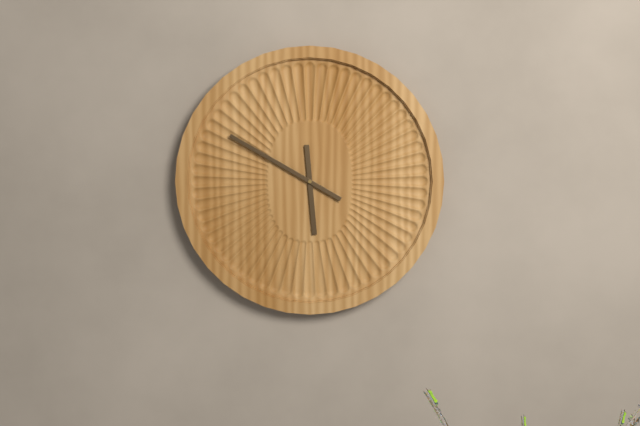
5h50
